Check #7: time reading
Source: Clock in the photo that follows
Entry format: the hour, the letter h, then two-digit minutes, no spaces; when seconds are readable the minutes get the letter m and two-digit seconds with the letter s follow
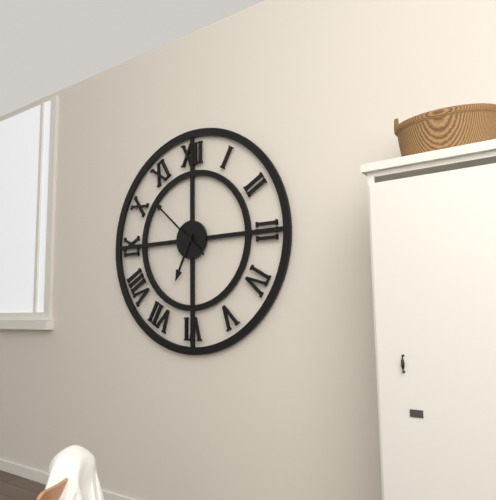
6h52
